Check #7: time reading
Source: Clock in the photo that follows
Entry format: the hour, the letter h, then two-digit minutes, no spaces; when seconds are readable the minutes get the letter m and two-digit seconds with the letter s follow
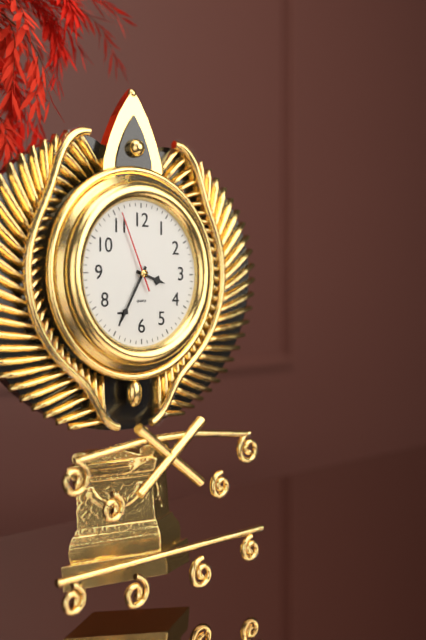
3h35m56s
